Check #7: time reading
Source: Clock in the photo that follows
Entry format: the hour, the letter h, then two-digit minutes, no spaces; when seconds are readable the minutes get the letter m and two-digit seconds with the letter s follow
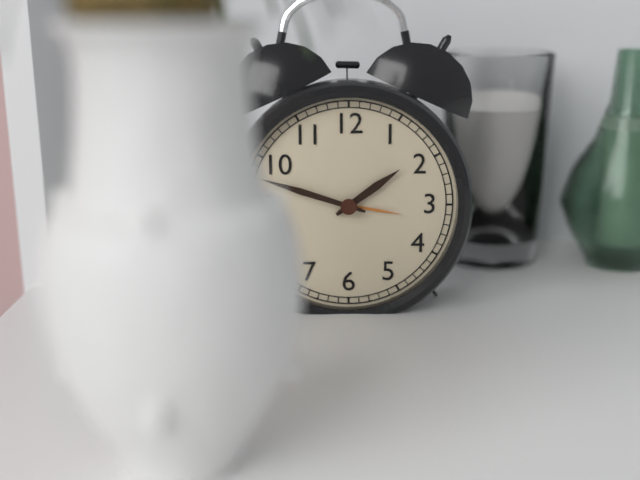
1h48
